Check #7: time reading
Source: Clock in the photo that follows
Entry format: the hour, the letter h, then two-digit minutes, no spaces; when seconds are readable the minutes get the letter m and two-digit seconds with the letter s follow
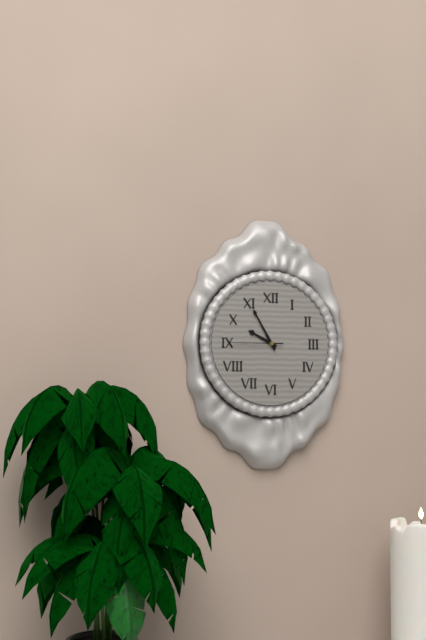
9h55m45s
